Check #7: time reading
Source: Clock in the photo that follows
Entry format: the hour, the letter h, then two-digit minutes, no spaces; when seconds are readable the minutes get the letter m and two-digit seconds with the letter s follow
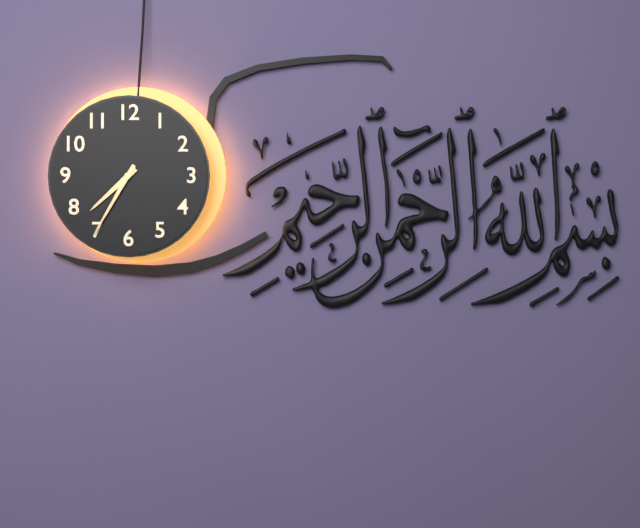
7h35
